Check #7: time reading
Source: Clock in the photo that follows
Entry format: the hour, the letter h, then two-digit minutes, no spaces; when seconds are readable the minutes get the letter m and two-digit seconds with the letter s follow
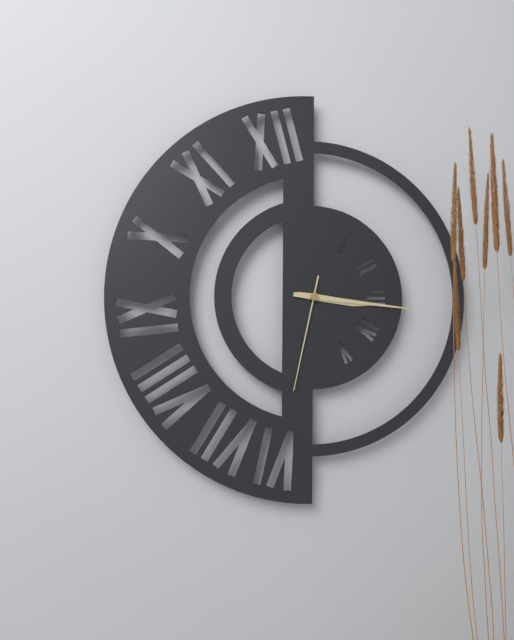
3h16m32s
